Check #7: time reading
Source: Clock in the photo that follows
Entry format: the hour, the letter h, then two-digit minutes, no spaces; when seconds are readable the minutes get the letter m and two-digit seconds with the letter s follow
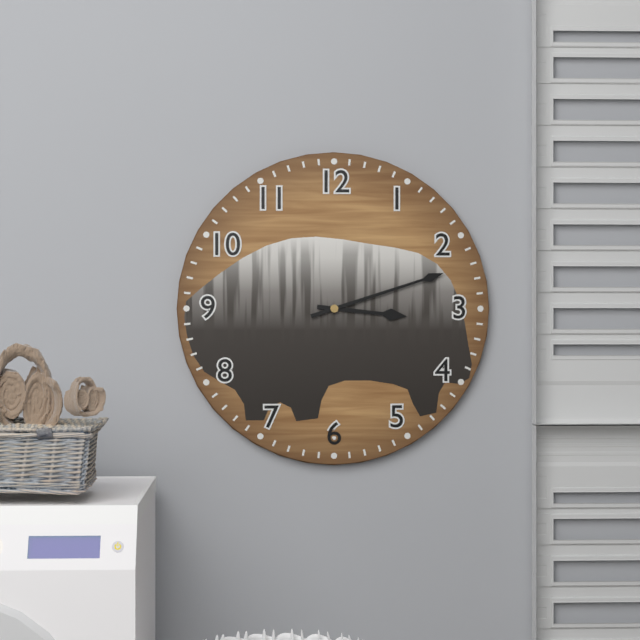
3h12
